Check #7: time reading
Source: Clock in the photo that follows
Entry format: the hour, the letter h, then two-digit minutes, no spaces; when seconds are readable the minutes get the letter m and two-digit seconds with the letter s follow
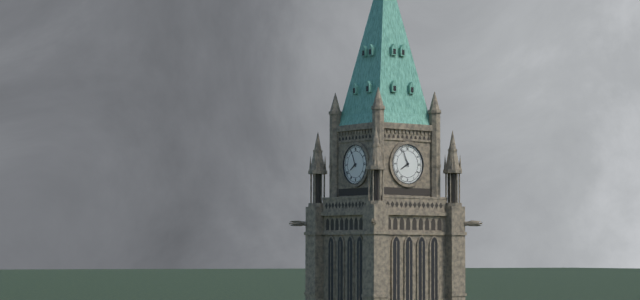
7h56
